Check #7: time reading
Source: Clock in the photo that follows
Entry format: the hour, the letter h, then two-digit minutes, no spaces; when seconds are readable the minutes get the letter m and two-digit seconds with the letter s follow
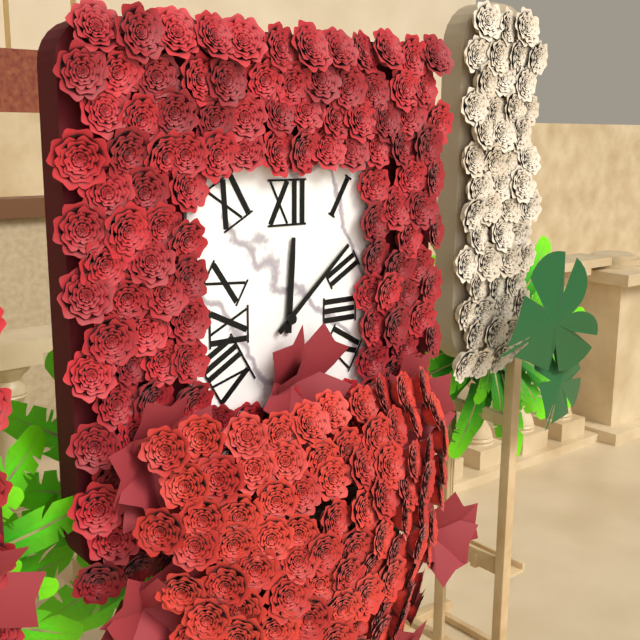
12h08
